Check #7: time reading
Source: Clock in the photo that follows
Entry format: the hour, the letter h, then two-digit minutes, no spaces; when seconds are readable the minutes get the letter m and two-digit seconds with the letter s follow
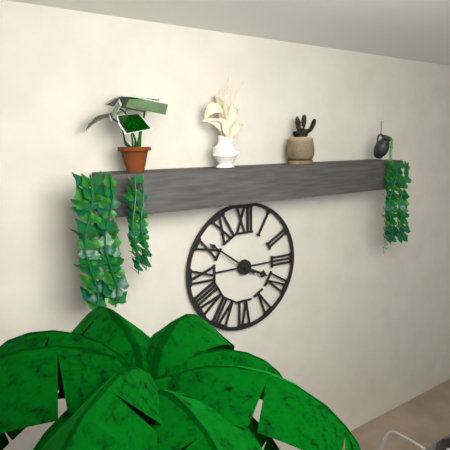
3h51
